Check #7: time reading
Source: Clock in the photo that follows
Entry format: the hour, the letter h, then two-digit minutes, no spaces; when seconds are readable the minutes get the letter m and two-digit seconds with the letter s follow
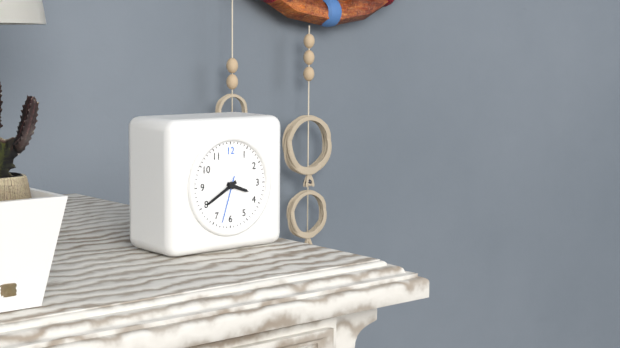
3h40
